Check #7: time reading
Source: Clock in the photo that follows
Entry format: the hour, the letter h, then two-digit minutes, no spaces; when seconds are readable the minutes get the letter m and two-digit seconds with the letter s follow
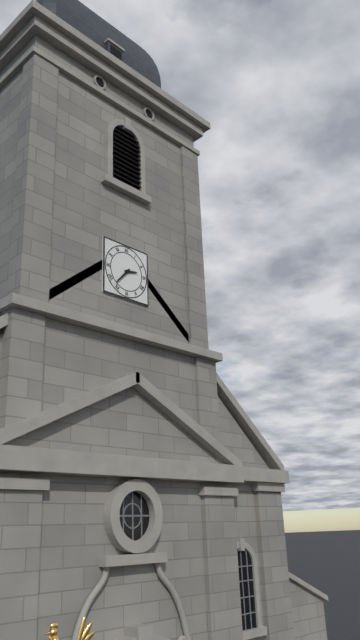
2h37
